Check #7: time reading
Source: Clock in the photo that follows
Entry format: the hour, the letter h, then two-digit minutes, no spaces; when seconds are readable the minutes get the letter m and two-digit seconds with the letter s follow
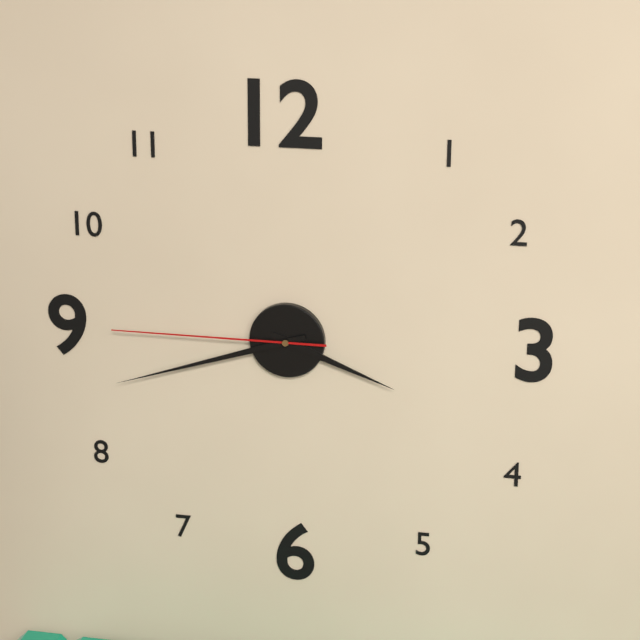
3h42m45s
